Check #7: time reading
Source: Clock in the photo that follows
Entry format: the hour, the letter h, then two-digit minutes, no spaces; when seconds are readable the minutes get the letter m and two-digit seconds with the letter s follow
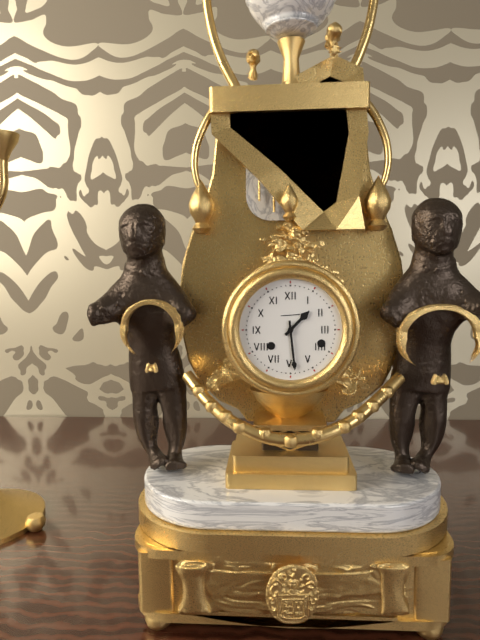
1h29
